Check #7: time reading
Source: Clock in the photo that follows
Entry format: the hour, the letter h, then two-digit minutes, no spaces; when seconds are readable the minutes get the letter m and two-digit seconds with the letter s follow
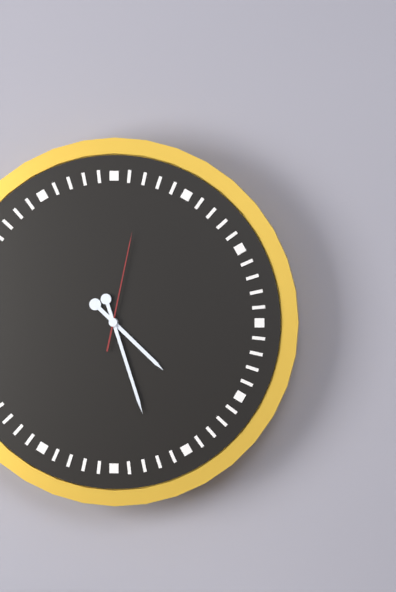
4h27m02s
